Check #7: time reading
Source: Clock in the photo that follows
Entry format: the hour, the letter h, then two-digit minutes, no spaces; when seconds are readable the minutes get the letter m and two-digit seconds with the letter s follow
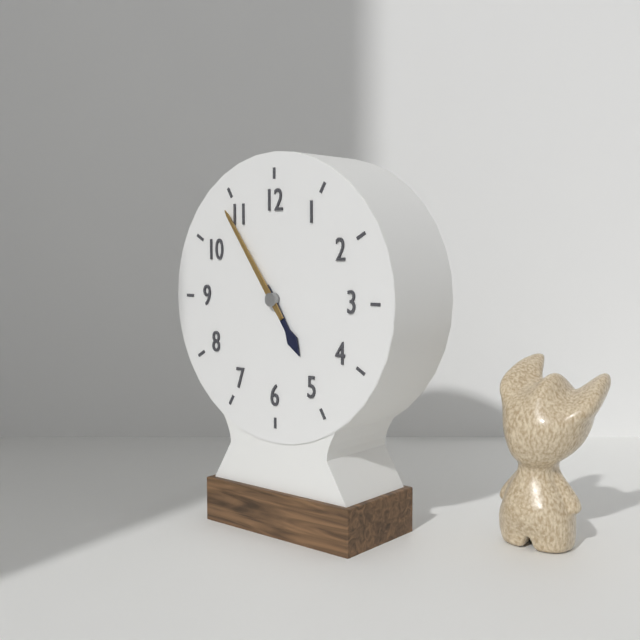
4h54
